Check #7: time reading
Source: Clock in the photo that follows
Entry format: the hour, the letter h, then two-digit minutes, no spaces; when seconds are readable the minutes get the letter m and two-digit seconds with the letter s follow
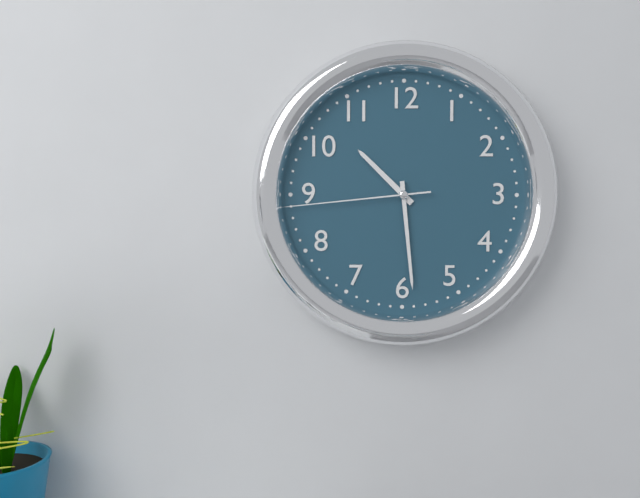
10h29m44s
